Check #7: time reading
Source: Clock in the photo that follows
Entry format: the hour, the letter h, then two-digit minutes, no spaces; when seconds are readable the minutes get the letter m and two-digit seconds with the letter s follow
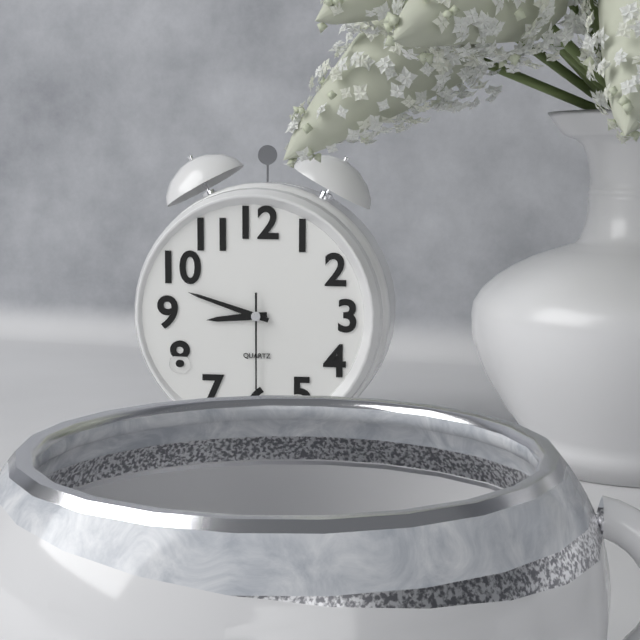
8h48m30s
